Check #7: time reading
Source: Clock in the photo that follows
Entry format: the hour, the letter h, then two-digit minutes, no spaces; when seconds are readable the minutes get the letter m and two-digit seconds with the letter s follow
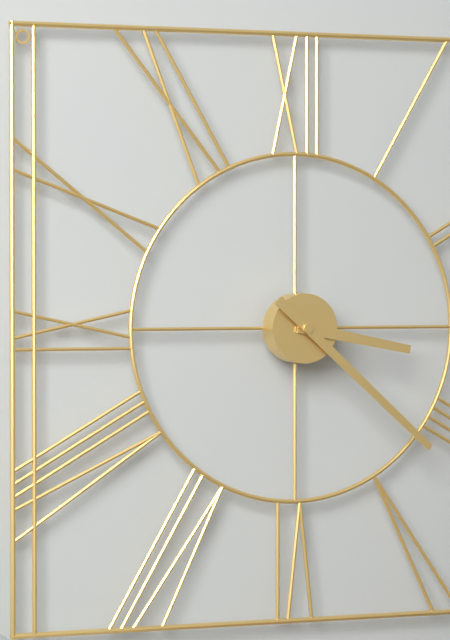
3h22
